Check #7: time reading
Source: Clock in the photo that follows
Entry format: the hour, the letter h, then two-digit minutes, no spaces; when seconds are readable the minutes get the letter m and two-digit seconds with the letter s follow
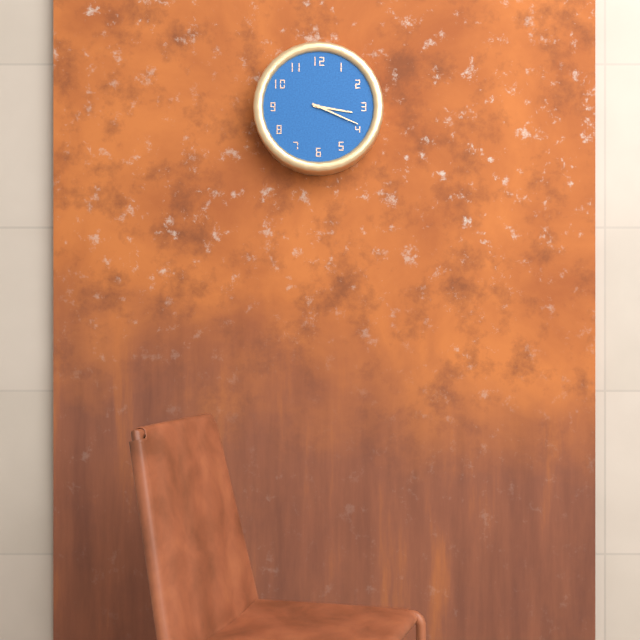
3h19
